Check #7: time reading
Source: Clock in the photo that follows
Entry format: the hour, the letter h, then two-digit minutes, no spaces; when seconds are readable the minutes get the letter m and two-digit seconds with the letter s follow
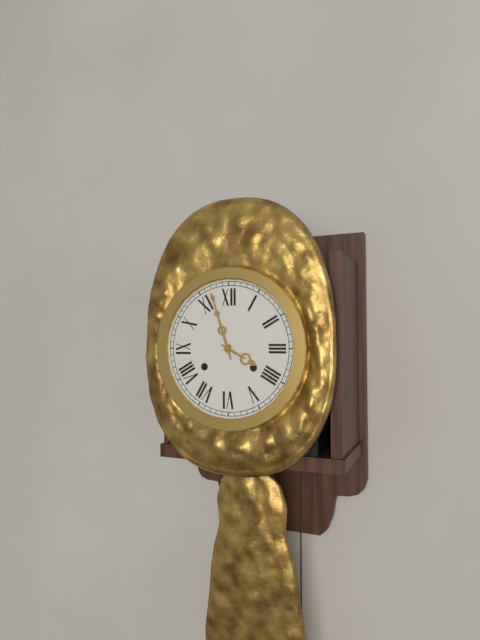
3h57
